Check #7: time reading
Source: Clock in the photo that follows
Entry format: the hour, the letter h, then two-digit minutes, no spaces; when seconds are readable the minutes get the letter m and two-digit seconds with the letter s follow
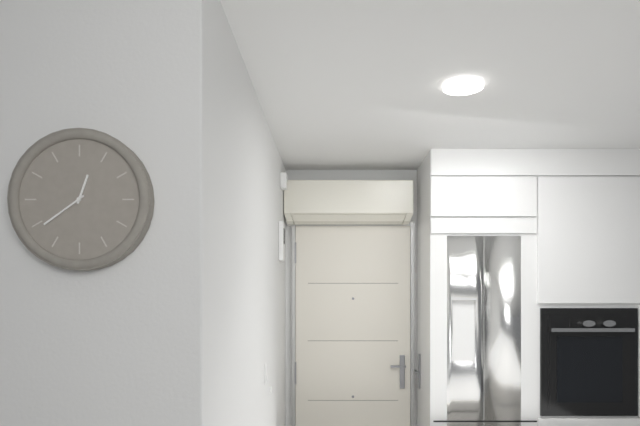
12h39
